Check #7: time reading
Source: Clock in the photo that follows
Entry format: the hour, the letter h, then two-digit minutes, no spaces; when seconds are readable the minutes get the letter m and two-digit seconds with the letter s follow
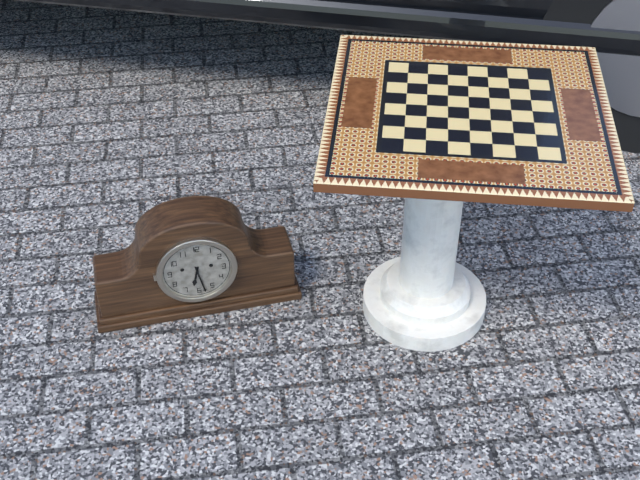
6h28
